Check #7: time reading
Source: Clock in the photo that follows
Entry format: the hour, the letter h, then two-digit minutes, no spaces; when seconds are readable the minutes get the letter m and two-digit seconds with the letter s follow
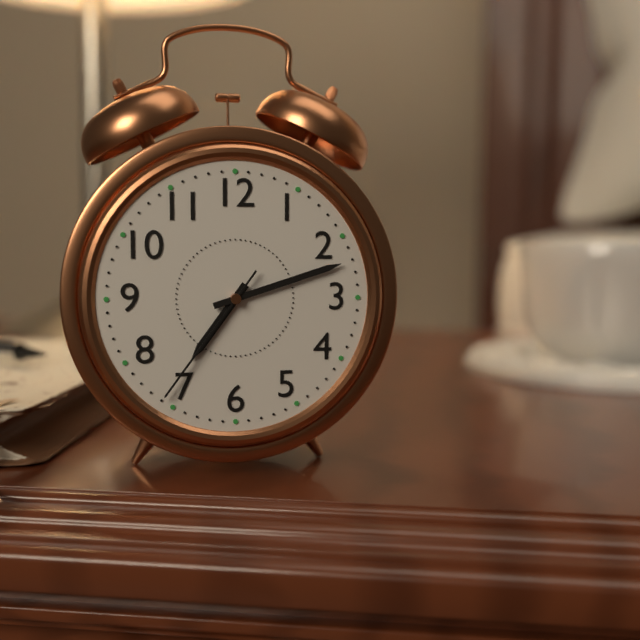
7h12m36s
